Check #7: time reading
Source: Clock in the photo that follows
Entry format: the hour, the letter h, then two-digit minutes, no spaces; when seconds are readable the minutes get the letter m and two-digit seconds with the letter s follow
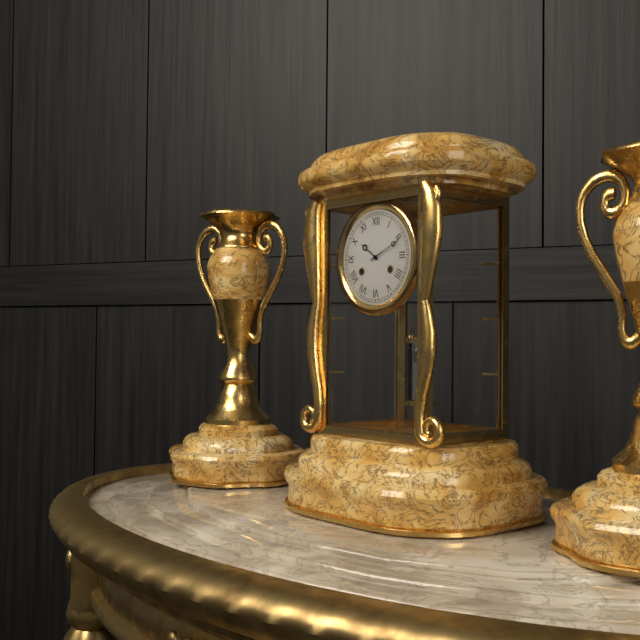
10h11
